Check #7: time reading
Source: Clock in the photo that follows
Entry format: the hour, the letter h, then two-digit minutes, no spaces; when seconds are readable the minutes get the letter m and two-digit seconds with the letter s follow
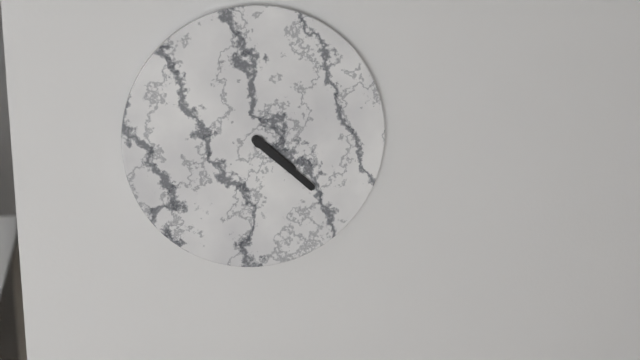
4h22
